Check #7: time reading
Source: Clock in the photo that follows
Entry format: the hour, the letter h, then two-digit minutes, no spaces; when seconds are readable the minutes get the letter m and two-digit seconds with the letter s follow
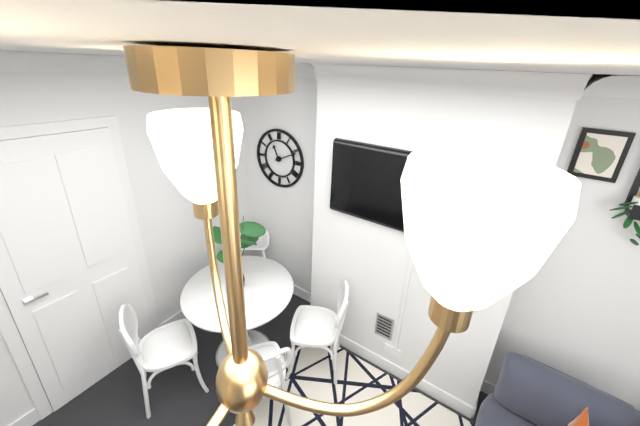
11h11
